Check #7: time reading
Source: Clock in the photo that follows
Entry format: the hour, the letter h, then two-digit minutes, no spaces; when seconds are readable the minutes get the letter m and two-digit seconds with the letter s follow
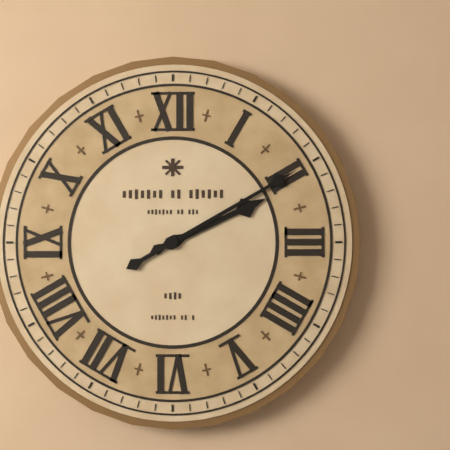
2h10
